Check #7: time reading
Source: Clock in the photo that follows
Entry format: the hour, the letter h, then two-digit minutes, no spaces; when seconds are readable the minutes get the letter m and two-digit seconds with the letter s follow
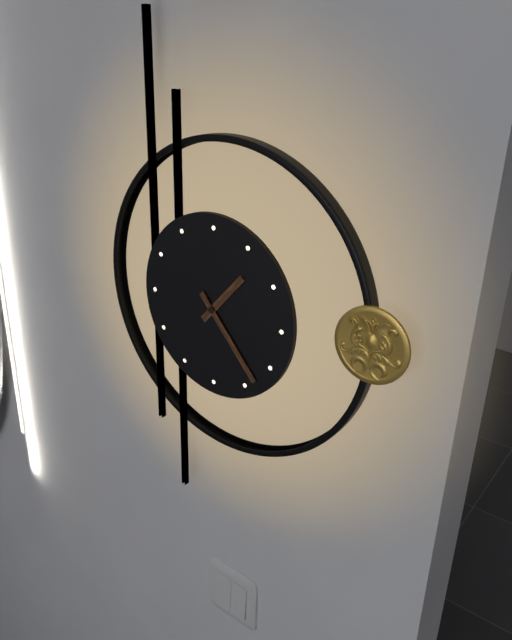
1h23
